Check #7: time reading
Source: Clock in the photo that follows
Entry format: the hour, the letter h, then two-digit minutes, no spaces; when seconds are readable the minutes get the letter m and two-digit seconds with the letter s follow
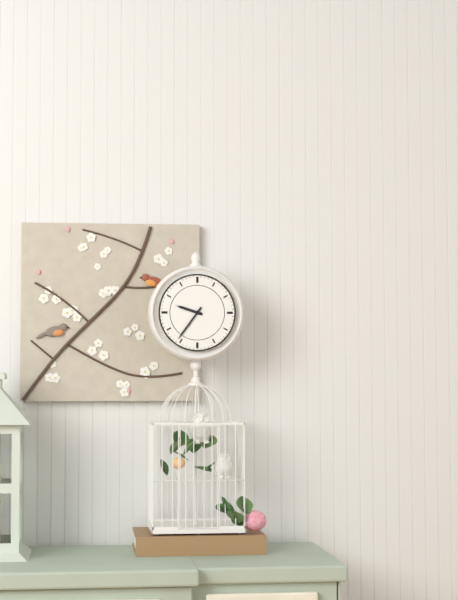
9h36
